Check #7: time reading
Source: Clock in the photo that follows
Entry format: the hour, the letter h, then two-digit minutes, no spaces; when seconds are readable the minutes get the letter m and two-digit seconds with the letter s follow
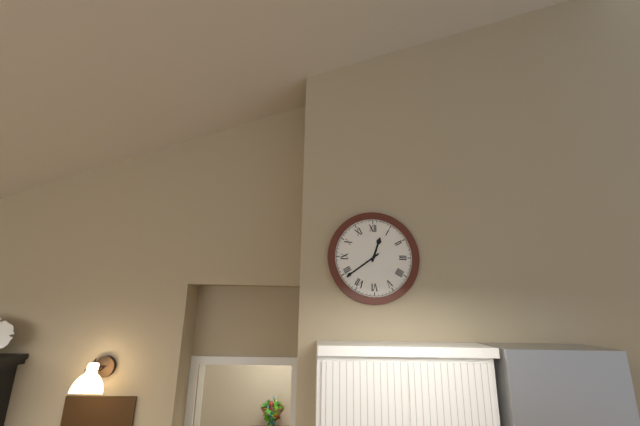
12h39
